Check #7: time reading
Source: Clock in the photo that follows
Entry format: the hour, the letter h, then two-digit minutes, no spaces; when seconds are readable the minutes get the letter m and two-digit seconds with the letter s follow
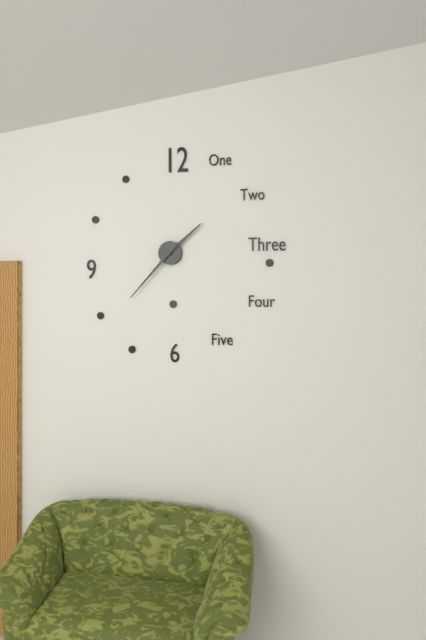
1h37
